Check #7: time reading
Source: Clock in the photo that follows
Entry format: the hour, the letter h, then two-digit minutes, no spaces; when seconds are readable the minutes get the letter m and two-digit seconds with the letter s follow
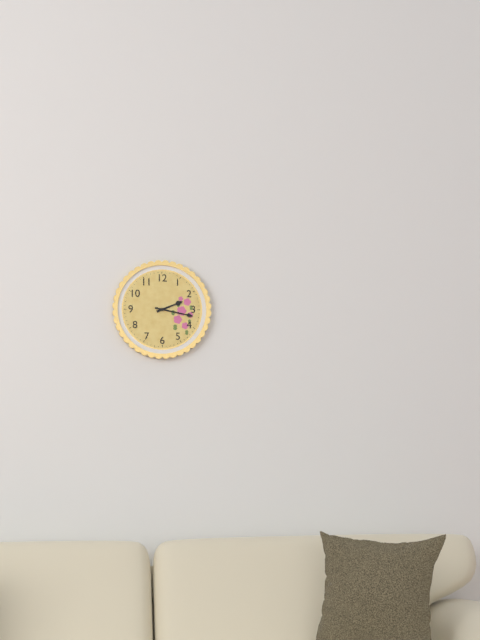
2h17
